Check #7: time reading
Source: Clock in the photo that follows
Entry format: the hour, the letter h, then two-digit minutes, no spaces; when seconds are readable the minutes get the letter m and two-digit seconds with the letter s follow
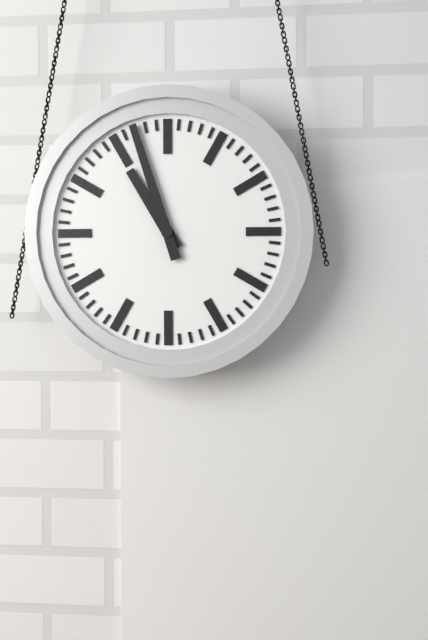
10h57
